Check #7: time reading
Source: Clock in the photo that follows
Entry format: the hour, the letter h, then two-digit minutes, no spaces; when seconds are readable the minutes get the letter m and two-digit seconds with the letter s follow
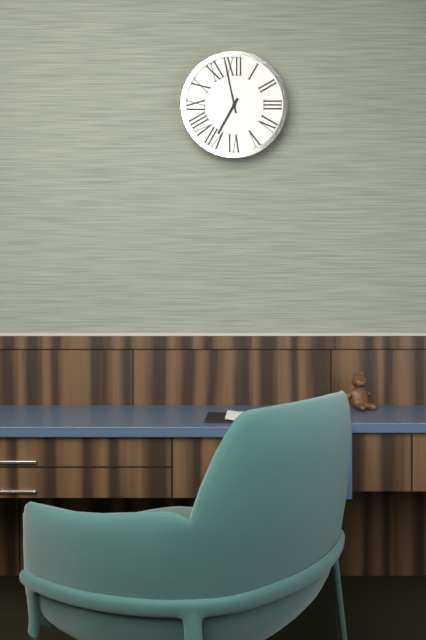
6h58
